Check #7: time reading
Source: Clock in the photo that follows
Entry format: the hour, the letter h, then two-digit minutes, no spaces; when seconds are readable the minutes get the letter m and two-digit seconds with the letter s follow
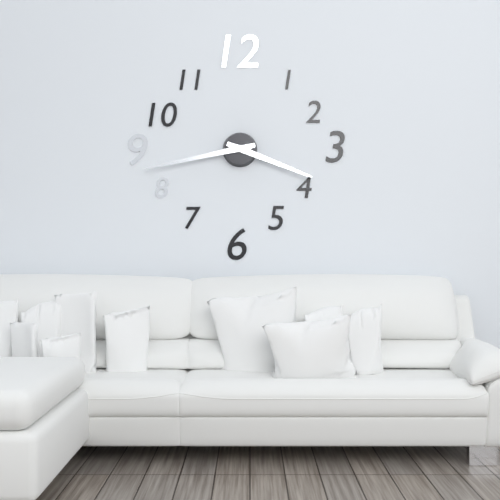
3h43
